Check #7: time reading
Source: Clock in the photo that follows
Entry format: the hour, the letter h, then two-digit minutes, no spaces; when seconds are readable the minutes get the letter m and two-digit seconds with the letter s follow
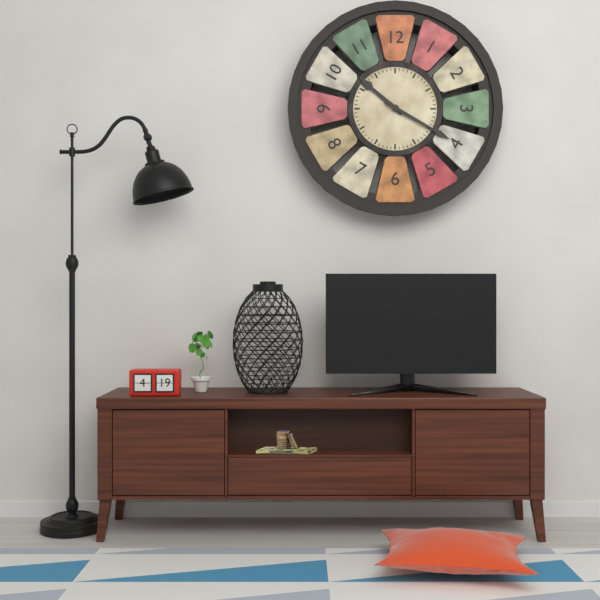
10h20
